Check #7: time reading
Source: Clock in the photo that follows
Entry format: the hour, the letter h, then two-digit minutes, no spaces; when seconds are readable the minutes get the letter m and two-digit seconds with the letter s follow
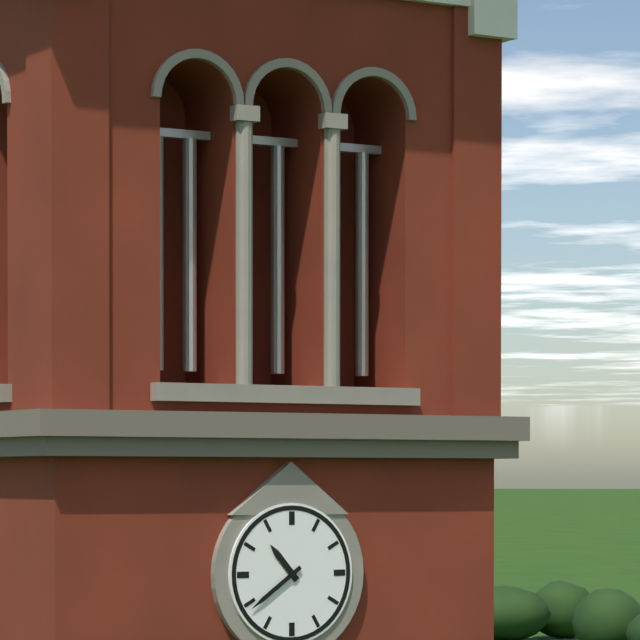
10h39
